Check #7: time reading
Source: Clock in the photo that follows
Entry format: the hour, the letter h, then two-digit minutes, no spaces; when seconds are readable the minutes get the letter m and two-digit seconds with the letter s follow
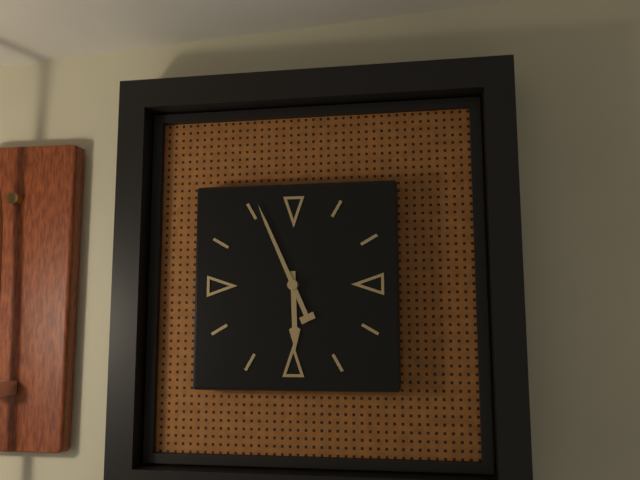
5h56
